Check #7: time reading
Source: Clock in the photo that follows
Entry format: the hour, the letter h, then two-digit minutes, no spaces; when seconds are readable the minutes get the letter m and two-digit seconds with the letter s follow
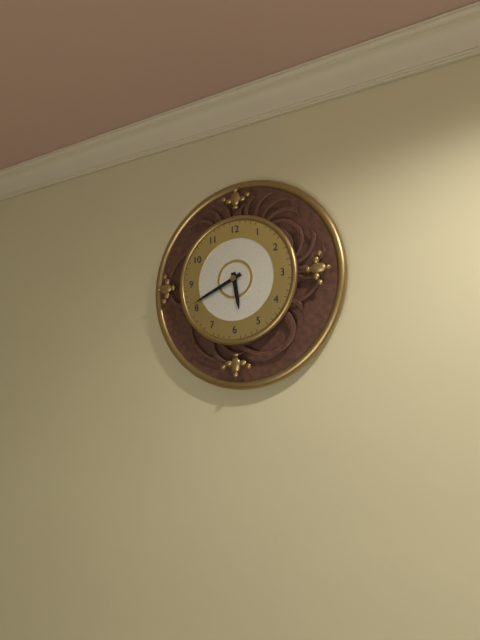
5h41
